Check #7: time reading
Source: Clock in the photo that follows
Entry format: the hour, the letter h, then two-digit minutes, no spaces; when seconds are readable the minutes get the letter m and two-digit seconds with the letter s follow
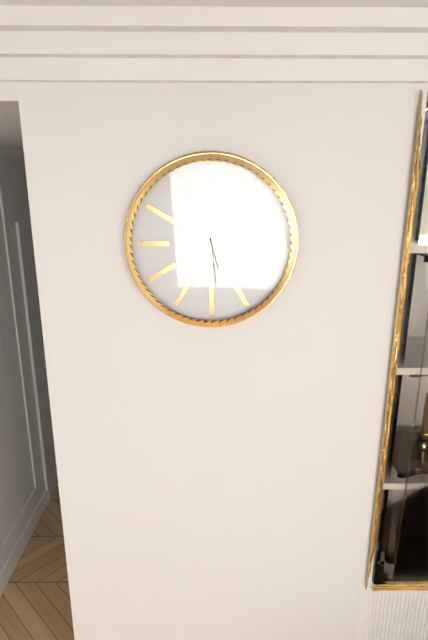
5h29
